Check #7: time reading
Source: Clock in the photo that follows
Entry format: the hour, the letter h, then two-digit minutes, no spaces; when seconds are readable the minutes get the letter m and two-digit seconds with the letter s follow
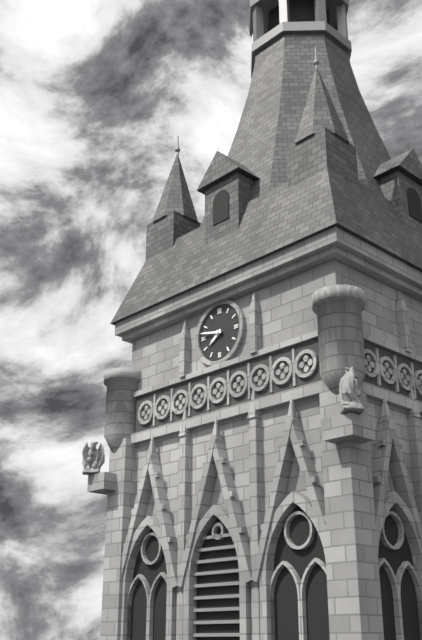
7h47
